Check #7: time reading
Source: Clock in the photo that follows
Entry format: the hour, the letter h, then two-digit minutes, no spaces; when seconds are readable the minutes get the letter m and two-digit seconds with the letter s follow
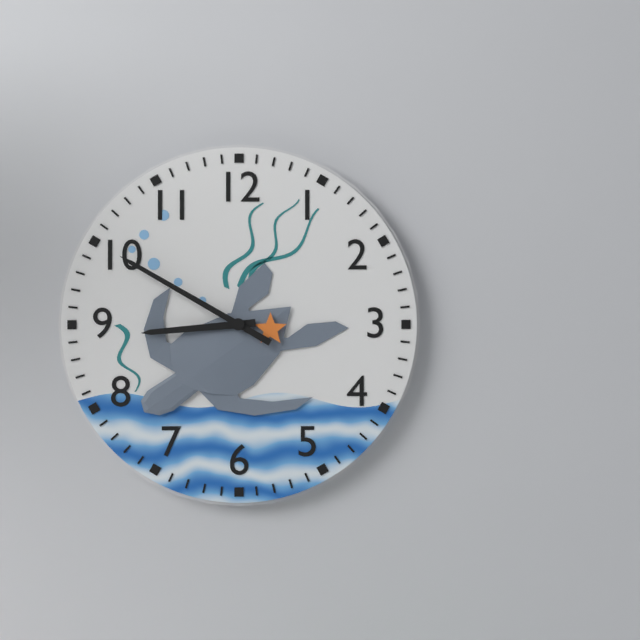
8h50
